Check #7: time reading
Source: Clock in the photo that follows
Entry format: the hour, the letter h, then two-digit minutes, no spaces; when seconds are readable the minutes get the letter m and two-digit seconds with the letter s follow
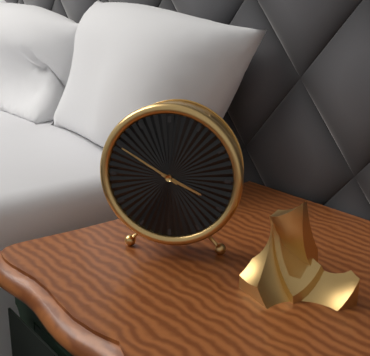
3h50
